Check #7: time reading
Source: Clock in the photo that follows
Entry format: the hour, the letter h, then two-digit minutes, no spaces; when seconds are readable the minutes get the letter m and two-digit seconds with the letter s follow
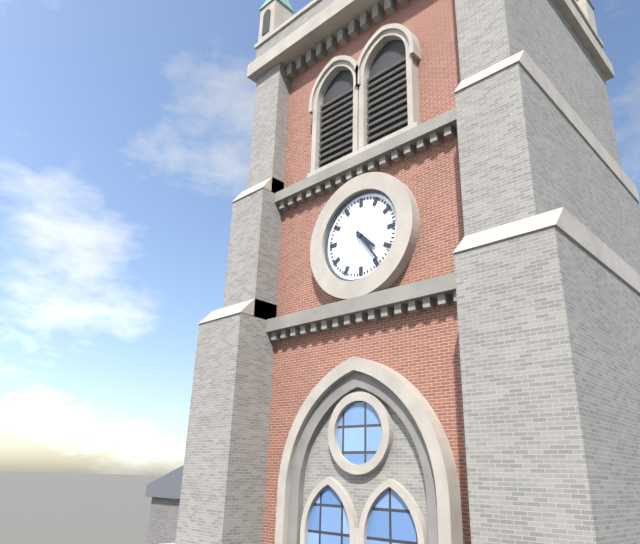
4h24
